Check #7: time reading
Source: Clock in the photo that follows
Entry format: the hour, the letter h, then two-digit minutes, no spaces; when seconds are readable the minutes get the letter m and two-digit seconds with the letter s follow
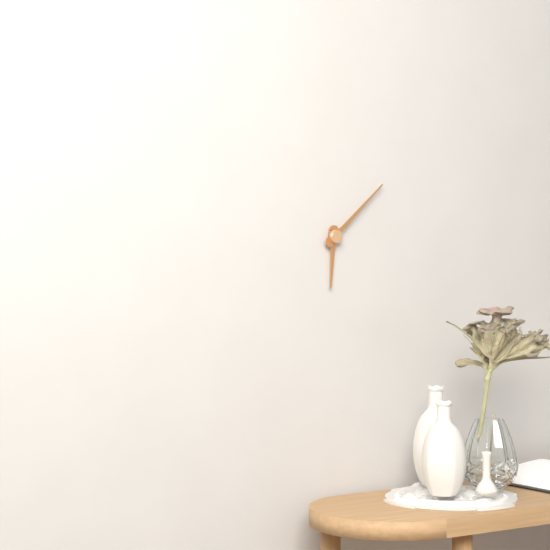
6h08
